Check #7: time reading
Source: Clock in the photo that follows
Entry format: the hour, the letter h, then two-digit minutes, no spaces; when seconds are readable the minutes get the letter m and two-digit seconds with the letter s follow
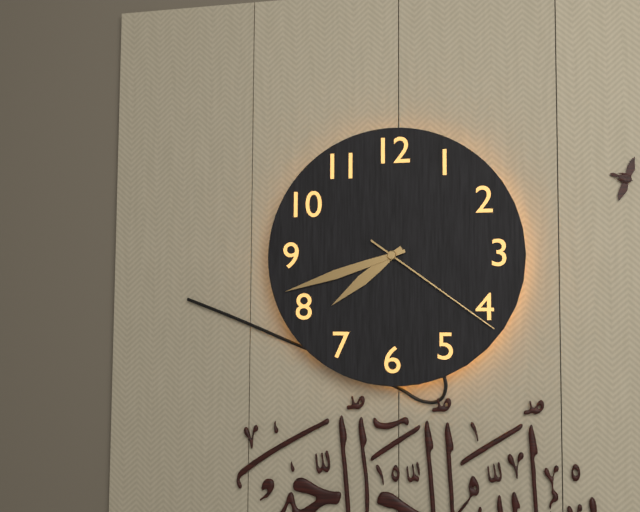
7h42m21s
